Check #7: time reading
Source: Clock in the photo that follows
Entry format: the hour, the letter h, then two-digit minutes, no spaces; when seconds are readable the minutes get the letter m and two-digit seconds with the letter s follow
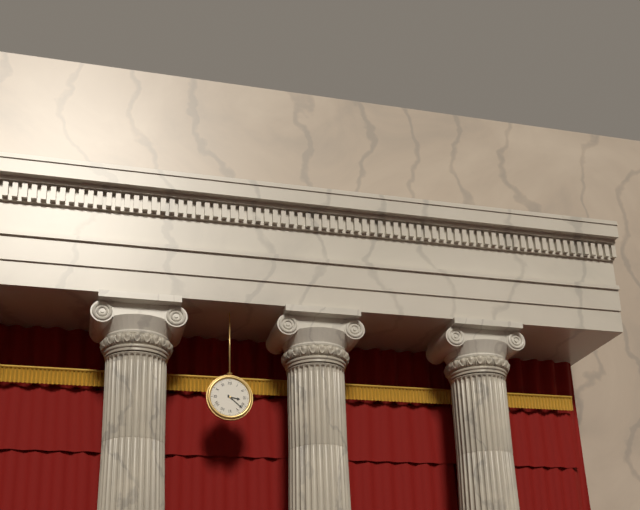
3h22
